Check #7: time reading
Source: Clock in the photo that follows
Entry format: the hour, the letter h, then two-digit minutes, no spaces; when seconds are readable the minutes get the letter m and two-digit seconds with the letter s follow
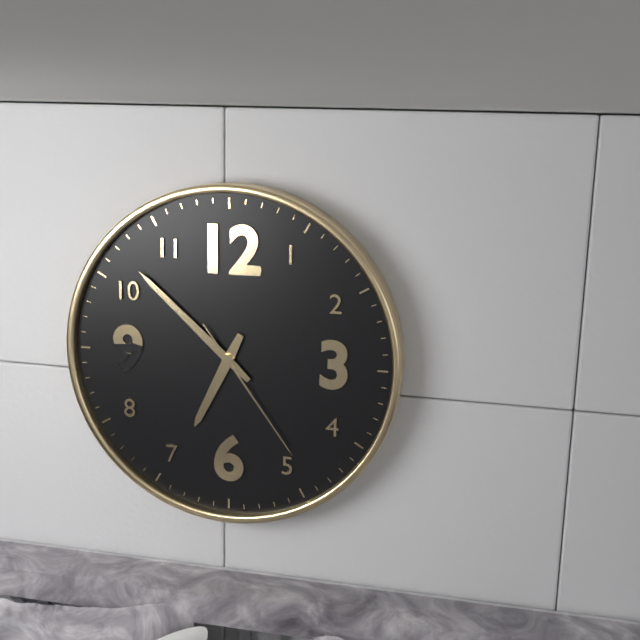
6h52m24s
